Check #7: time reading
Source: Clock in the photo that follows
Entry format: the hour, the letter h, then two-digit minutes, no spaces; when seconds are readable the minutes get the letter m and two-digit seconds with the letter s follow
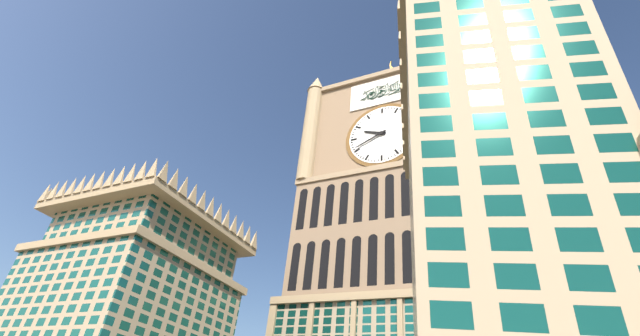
9h41
